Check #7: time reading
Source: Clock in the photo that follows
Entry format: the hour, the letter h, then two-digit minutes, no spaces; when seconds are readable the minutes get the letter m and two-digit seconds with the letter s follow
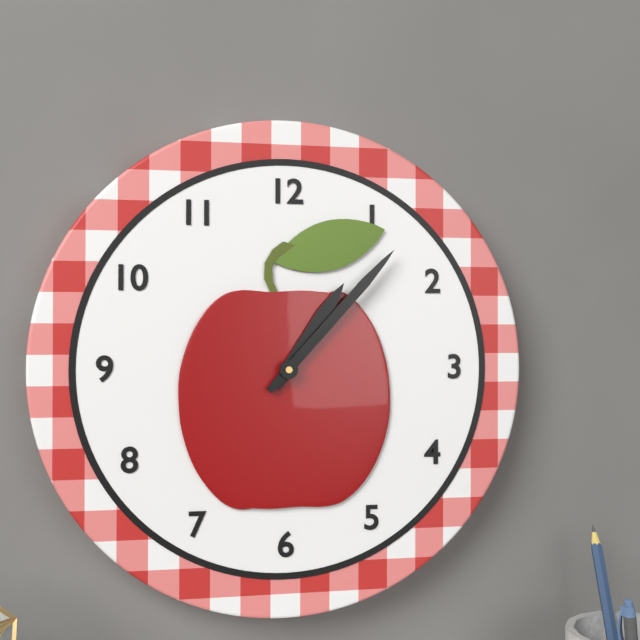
1h07
